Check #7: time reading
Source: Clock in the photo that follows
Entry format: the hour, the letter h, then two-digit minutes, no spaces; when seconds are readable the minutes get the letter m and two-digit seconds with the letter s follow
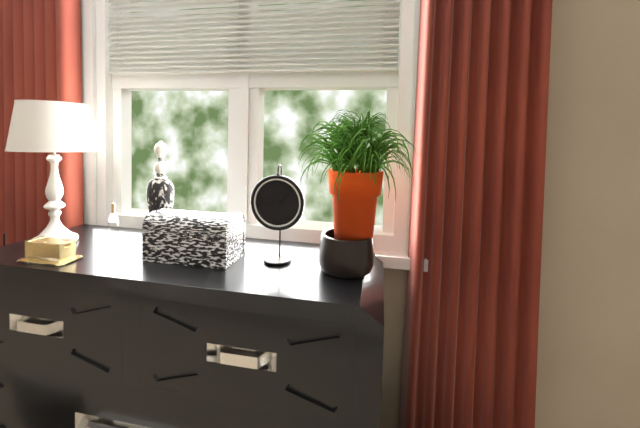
9h07
